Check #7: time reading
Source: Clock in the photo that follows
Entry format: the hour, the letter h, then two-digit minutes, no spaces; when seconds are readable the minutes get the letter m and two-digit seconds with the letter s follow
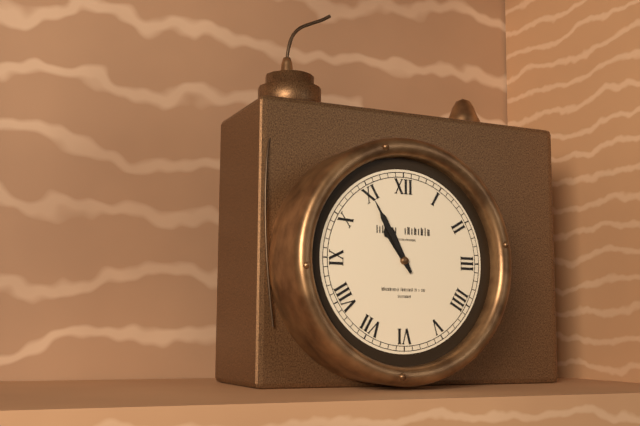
10h55
